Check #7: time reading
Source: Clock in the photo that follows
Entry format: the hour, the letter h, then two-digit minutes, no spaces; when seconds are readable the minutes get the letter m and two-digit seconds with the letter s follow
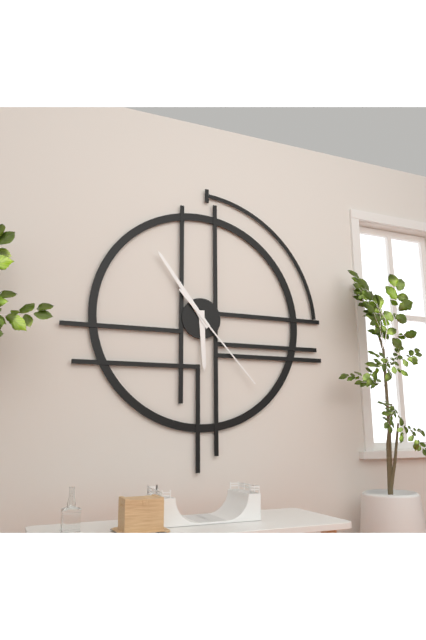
5h54m23s
